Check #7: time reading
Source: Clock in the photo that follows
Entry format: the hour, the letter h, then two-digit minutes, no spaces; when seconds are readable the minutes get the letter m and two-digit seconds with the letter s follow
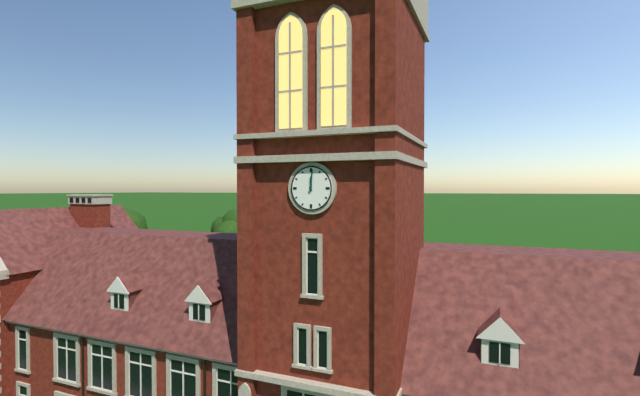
12h01
